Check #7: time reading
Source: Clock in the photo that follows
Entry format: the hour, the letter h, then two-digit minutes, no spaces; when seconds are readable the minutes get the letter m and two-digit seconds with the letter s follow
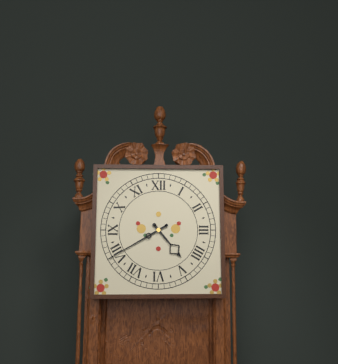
4h40
